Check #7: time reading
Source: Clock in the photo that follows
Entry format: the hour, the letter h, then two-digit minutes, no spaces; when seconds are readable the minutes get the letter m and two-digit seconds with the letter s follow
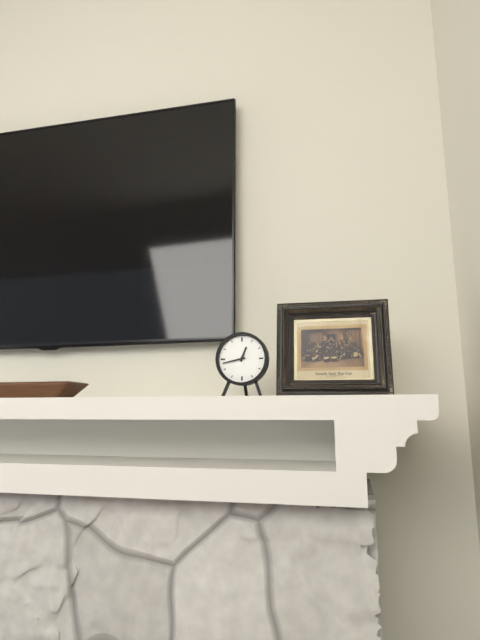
12h43
